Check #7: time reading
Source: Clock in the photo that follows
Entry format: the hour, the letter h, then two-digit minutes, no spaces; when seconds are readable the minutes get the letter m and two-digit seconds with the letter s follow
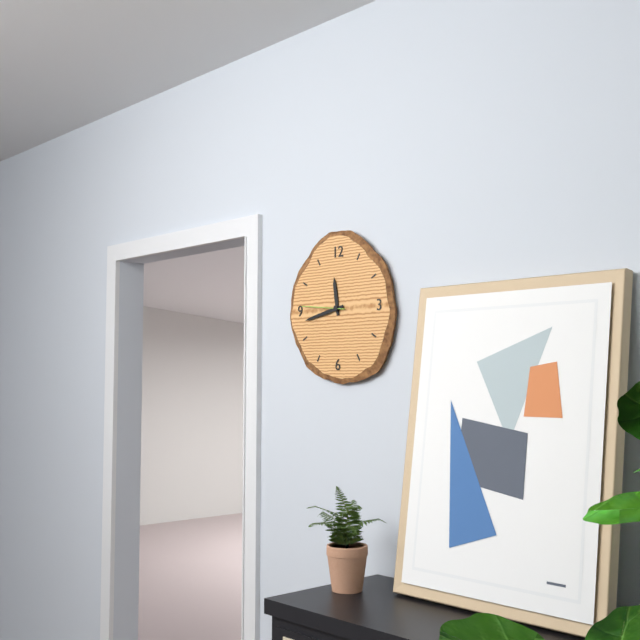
11h43m46s
